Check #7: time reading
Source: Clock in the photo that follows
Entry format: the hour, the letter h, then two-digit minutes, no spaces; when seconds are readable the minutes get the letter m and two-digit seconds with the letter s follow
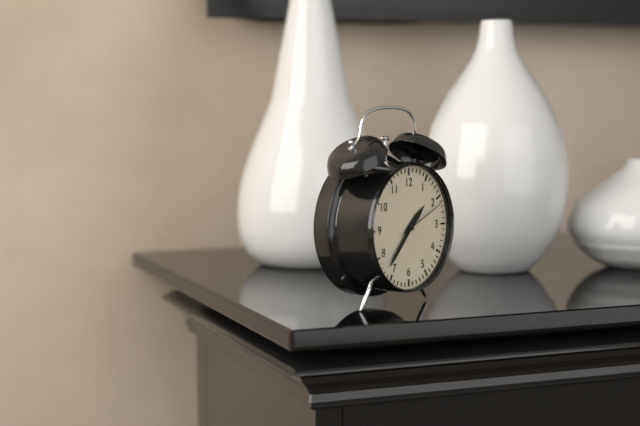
1h37
